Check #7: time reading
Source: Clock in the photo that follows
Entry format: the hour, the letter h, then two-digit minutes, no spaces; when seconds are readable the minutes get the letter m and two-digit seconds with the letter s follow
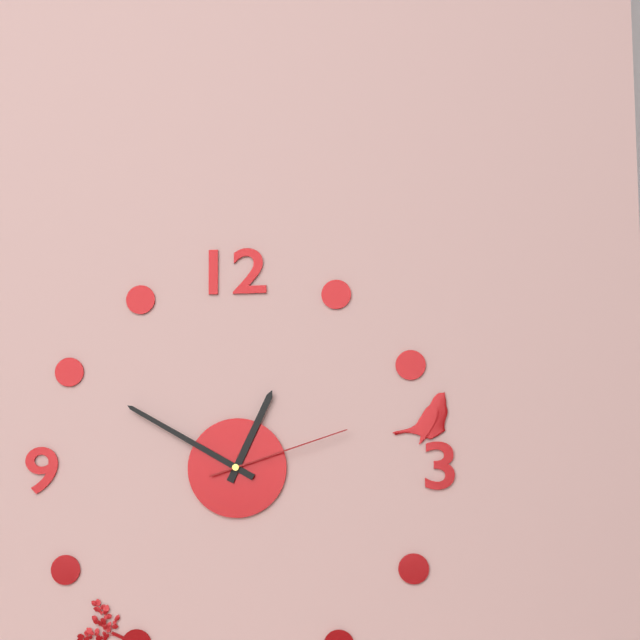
12h50m12s
